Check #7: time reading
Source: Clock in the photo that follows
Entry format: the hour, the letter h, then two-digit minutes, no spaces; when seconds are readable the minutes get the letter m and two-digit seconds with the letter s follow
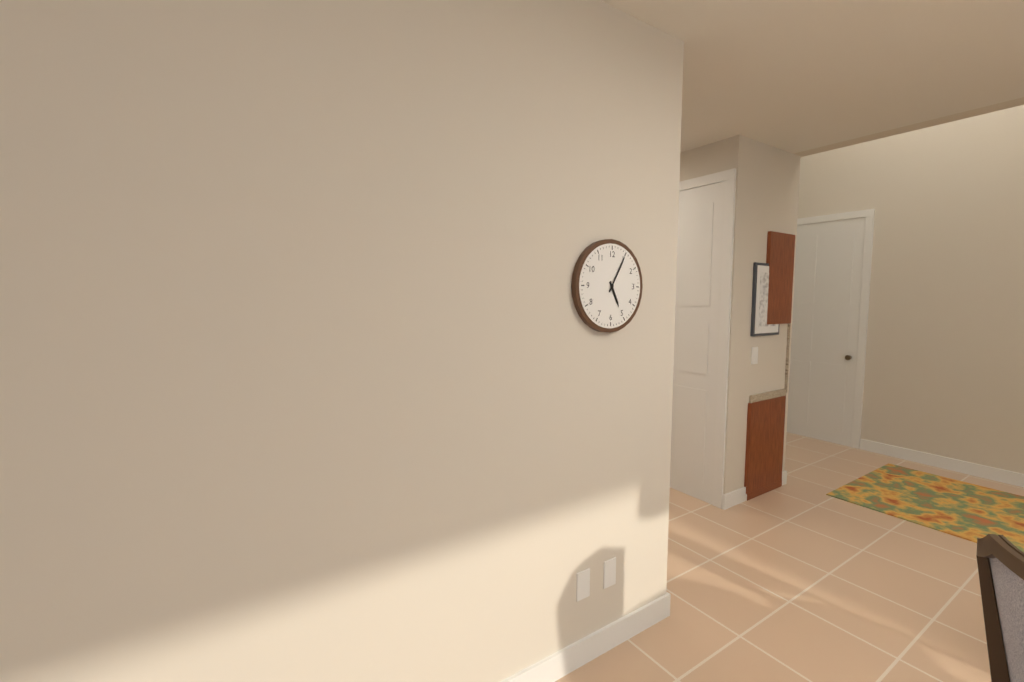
5h05
